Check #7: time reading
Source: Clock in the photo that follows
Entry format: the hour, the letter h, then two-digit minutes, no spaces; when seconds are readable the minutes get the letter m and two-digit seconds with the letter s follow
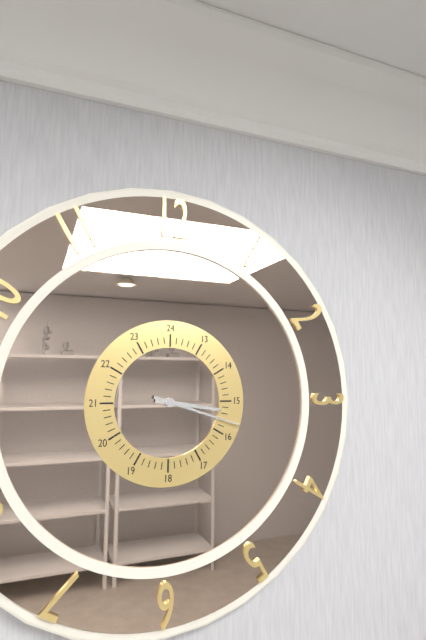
3h18
